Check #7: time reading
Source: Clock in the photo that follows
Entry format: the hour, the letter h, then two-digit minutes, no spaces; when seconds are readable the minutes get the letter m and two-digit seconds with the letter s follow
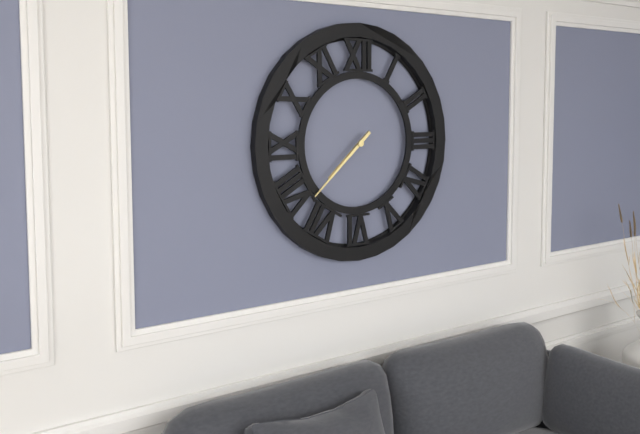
7h38
